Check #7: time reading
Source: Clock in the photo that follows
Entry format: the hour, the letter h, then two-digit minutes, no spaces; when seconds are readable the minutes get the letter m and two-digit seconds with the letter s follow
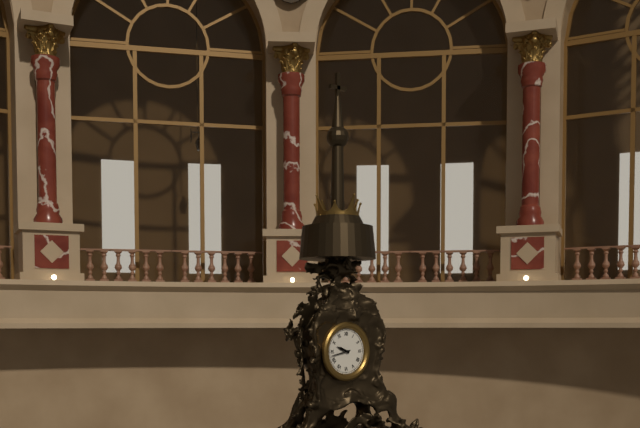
9h43
